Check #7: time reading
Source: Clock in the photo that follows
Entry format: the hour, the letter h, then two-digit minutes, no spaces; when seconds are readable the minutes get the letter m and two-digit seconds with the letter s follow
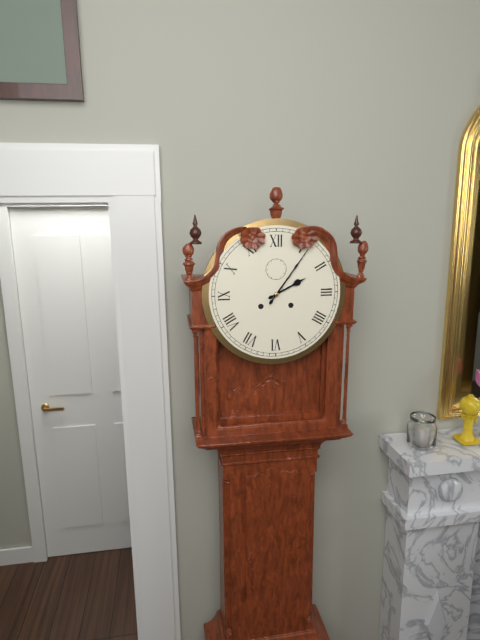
2h06
